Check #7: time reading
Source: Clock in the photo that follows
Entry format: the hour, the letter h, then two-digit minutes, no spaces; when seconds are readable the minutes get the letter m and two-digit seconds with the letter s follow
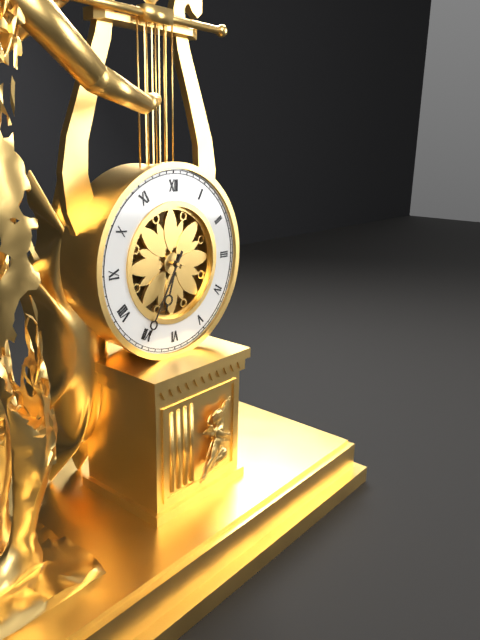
6h35
